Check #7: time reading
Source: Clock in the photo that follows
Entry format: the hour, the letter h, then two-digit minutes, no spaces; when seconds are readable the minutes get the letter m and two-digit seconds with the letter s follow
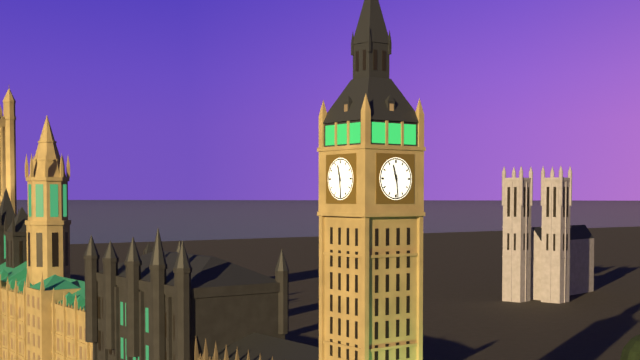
11h29
